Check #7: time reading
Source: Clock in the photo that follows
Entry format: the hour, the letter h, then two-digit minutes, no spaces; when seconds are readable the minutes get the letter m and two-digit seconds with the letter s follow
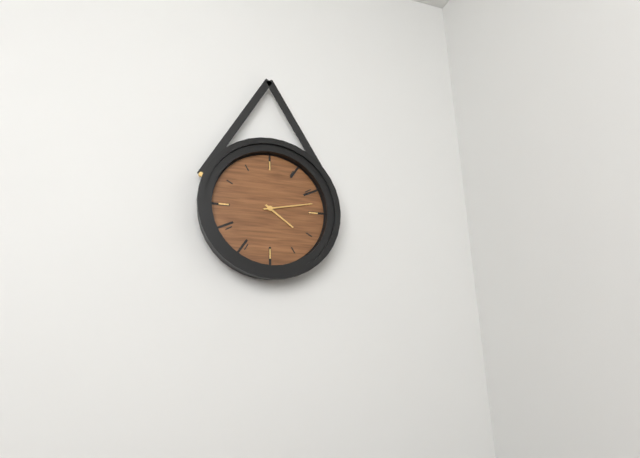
4h13
